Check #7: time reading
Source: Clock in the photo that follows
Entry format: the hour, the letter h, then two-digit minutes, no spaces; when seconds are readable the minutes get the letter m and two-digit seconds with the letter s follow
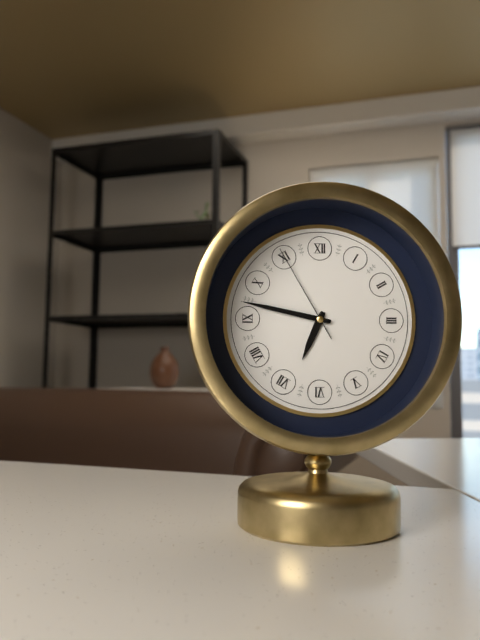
6h47m55s
